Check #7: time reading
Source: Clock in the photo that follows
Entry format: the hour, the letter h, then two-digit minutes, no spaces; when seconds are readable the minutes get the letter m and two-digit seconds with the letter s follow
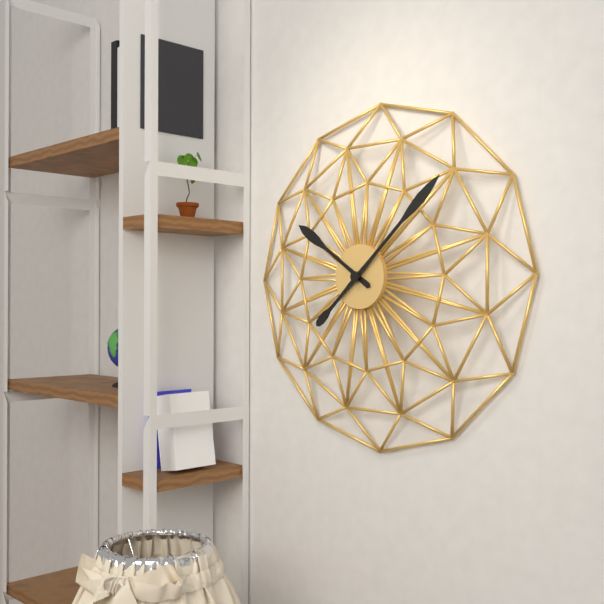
10h08
